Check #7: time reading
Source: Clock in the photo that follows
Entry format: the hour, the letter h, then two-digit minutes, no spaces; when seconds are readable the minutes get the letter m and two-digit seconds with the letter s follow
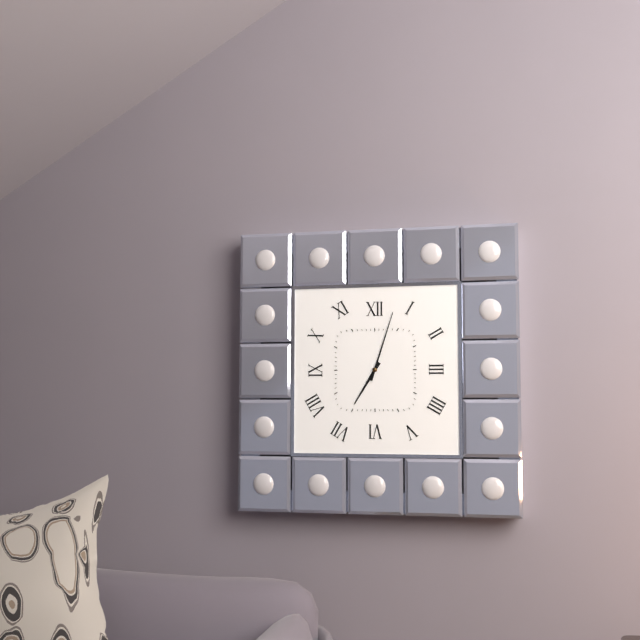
7h03
